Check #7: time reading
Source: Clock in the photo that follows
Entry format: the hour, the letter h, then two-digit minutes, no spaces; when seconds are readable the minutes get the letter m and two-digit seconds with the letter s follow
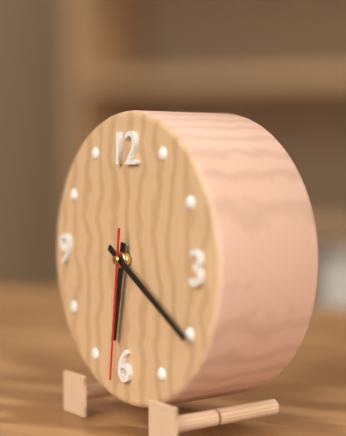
6h20m31s
